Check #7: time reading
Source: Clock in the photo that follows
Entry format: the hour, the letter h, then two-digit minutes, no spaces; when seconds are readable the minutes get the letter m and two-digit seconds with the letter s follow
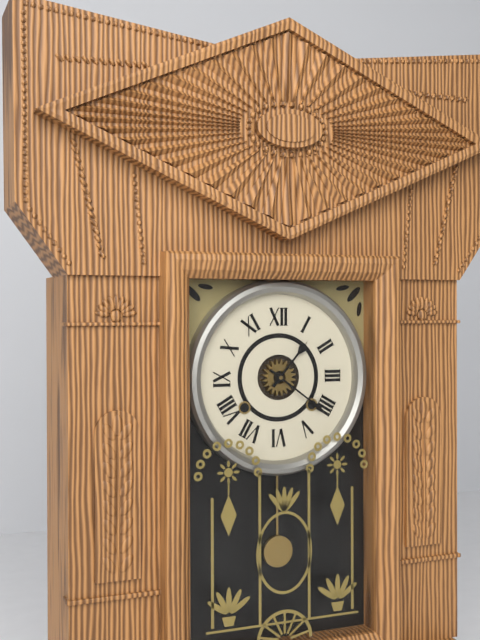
1h21
